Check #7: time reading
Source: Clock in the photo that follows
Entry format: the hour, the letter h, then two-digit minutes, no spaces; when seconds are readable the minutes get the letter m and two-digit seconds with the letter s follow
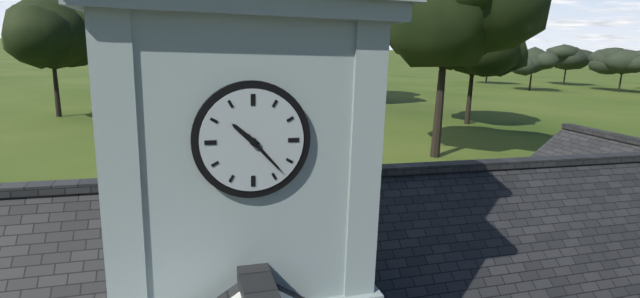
10h23
